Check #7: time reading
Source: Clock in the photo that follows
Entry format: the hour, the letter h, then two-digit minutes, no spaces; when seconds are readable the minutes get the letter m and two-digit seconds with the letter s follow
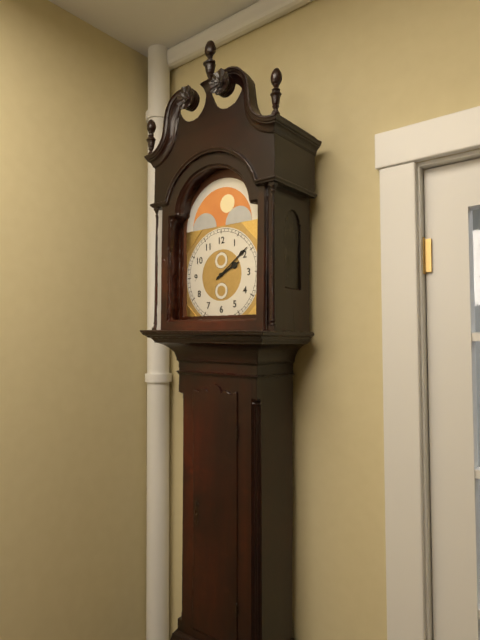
2h09
